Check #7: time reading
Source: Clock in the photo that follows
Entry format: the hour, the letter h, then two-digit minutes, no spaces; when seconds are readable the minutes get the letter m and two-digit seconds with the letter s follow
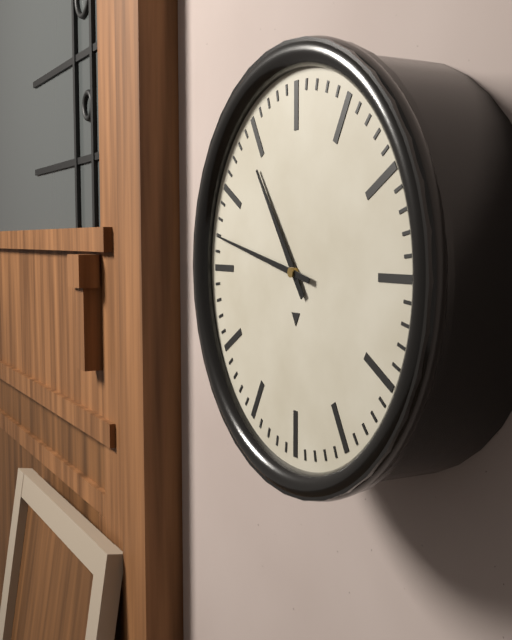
10h47
